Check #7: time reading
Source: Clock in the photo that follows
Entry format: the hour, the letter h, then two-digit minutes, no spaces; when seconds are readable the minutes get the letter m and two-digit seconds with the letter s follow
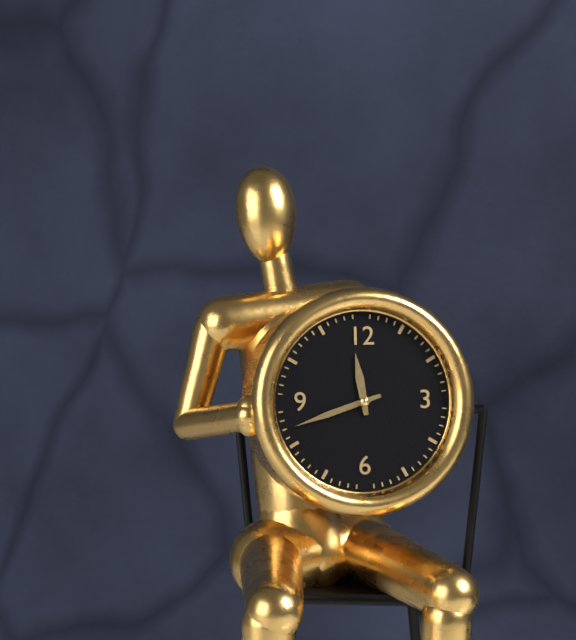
11h42
